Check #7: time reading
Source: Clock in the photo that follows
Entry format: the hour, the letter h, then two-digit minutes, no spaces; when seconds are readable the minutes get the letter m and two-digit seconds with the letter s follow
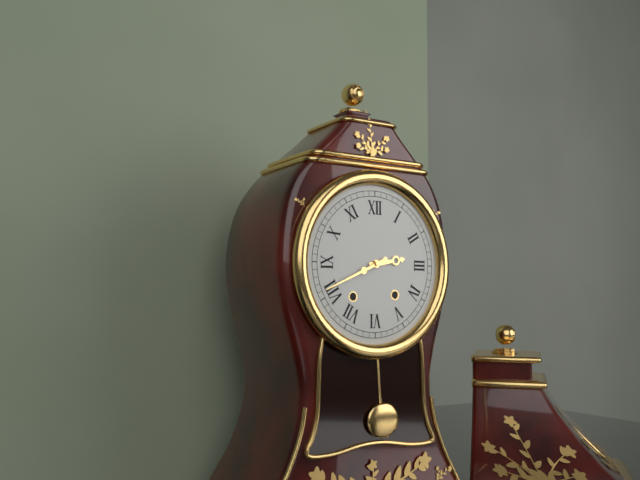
2h41
